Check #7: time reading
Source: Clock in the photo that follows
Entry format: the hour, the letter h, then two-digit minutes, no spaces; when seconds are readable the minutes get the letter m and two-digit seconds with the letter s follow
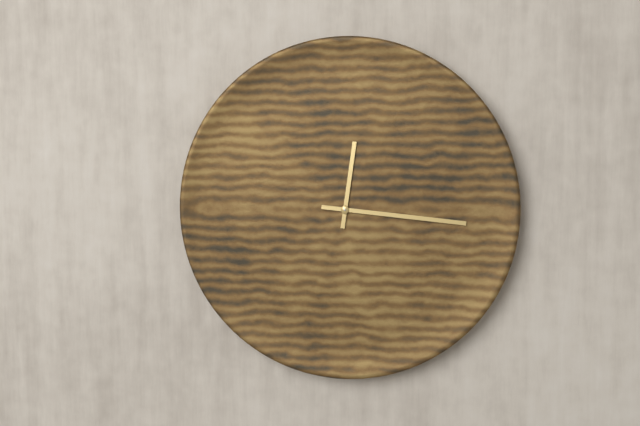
12h16
